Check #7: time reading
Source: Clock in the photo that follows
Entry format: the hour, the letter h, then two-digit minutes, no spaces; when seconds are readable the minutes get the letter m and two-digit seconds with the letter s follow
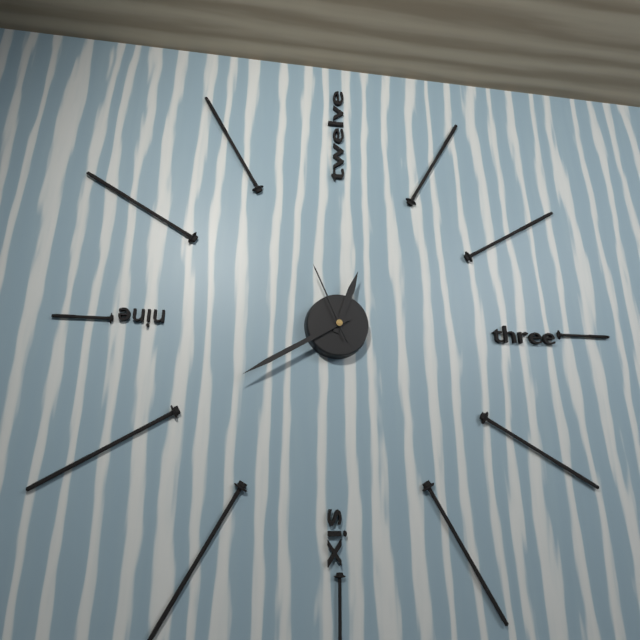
12h40m56s
